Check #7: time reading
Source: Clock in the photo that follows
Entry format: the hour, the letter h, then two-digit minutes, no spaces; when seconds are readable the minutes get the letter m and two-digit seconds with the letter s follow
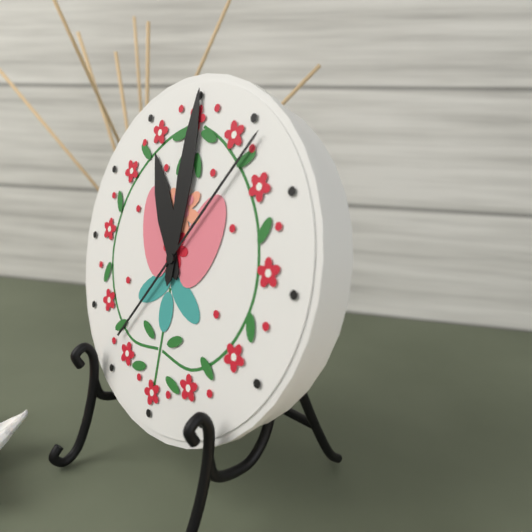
11h00m06s
